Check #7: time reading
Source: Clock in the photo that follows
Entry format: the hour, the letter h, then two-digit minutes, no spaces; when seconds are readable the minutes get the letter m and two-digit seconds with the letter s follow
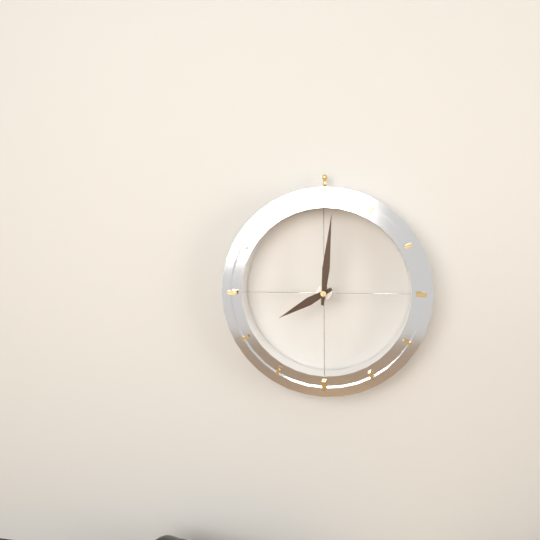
8h01
